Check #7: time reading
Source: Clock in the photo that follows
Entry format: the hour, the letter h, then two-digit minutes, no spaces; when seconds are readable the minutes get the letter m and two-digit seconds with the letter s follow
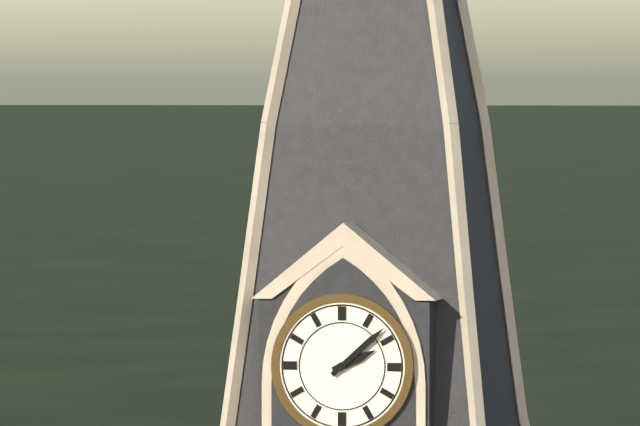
2h08
